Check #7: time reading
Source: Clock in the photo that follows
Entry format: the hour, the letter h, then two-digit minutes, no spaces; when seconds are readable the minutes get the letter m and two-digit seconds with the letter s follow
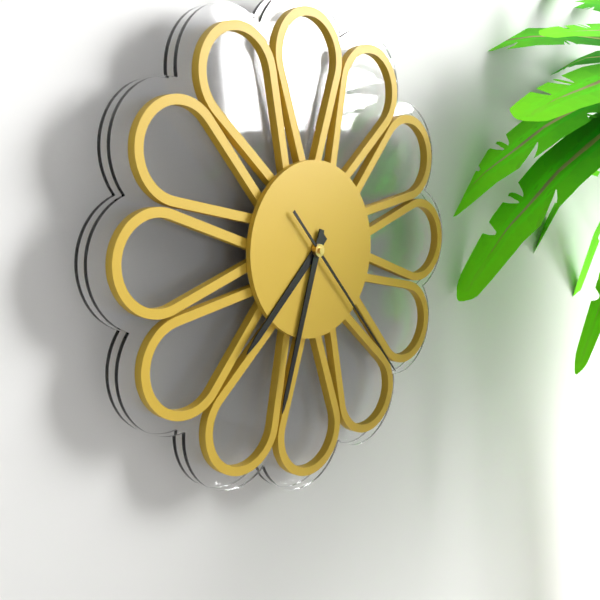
7h33m23s
